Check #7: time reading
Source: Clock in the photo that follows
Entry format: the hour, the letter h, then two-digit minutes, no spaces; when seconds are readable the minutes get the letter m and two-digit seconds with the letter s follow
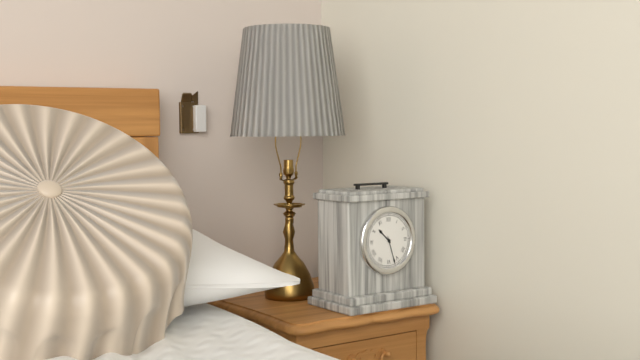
10h27
